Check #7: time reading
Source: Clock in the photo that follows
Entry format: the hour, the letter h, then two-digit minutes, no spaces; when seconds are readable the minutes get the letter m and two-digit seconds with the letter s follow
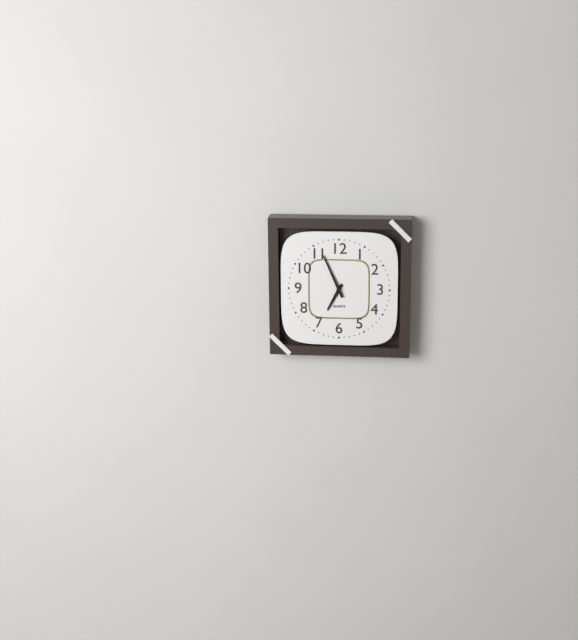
6h56
